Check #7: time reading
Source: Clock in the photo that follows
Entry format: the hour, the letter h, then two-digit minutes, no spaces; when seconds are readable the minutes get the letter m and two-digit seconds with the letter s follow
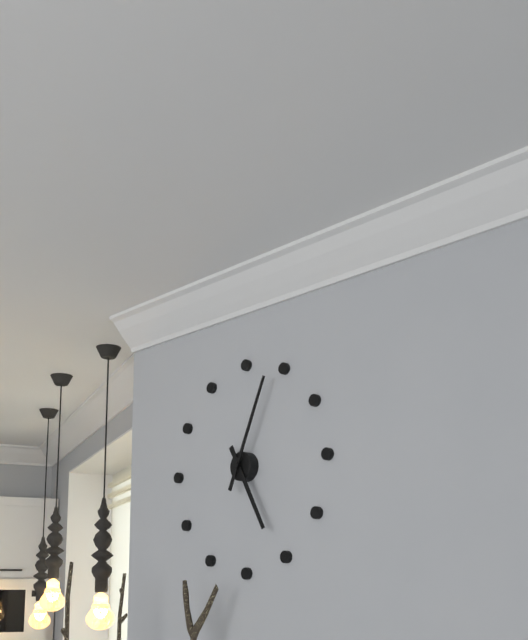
5h04
